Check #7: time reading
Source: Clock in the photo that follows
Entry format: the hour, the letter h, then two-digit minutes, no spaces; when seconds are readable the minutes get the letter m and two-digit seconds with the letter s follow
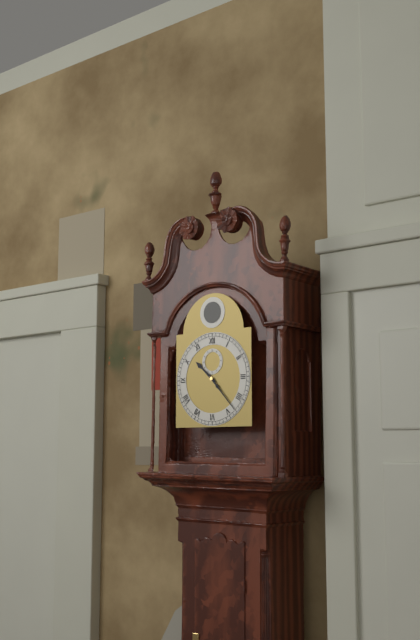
10h23
